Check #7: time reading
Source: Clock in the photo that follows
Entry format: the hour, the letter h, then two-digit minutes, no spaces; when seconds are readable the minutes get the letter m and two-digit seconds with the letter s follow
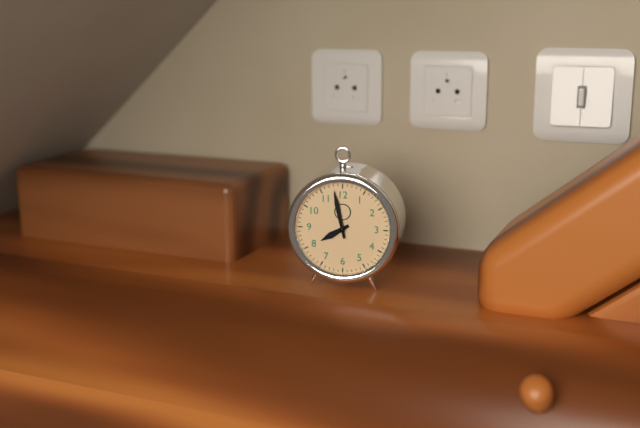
7h58
